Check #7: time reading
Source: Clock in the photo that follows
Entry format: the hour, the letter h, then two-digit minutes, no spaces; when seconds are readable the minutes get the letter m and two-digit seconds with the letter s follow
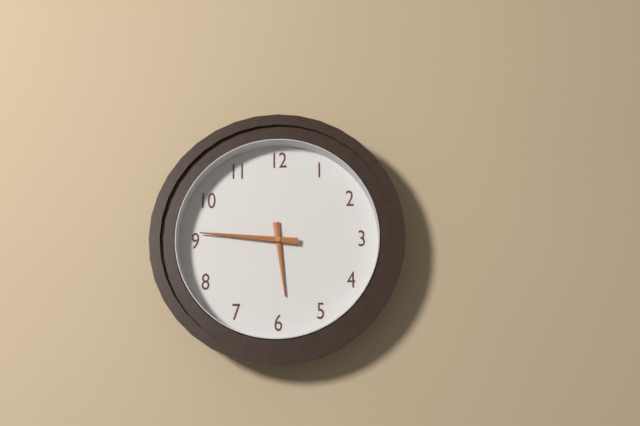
5h46
